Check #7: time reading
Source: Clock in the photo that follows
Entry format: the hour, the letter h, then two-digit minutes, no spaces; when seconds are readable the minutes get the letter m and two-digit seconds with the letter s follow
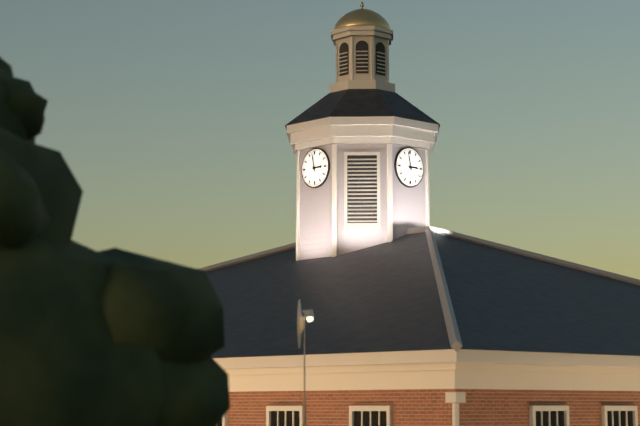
2h58
